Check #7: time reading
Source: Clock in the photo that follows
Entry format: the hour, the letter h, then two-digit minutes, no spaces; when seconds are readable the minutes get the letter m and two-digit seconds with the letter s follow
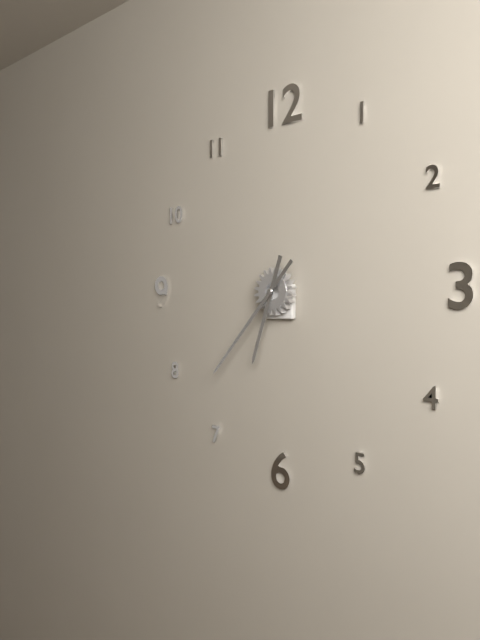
6h37
